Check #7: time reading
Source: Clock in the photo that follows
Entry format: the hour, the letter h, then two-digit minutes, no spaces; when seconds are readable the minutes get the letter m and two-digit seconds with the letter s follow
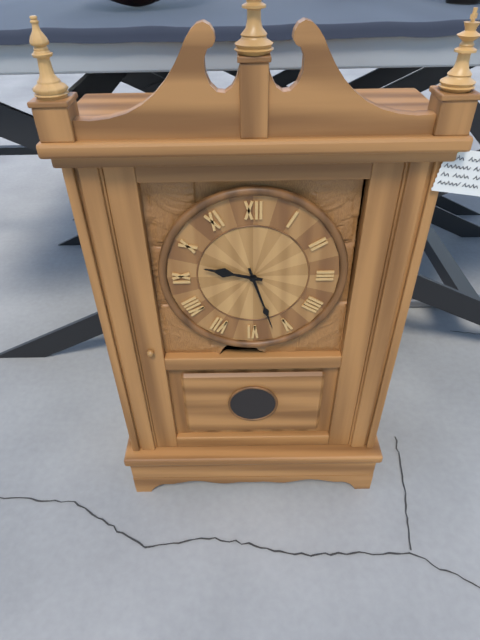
9h27
